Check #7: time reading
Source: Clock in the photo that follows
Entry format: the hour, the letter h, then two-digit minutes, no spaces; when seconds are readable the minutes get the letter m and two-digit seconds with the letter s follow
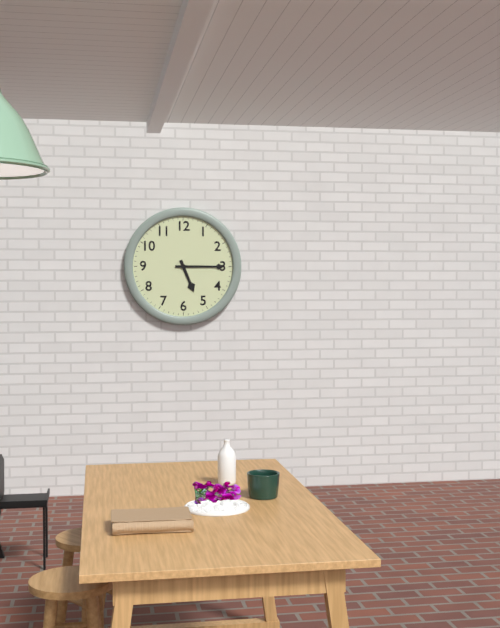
5h15
